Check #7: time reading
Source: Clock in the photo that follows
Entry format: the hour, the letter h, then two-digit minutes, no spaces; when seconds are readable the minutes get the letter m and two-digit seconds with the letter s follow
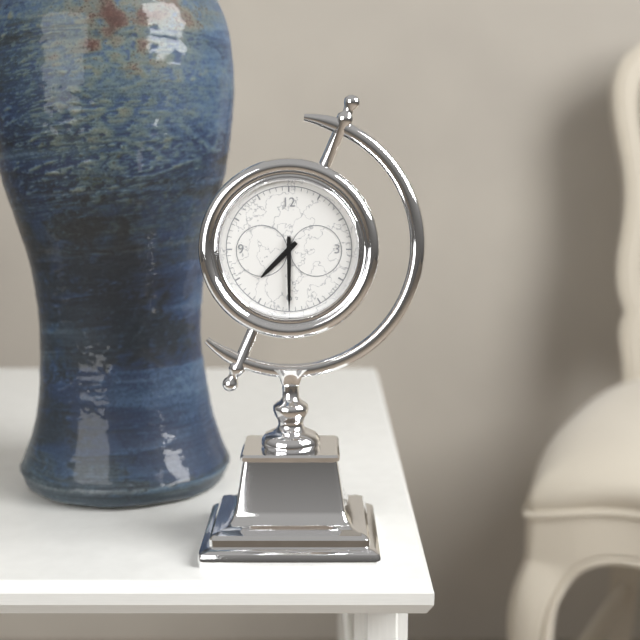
7h30
